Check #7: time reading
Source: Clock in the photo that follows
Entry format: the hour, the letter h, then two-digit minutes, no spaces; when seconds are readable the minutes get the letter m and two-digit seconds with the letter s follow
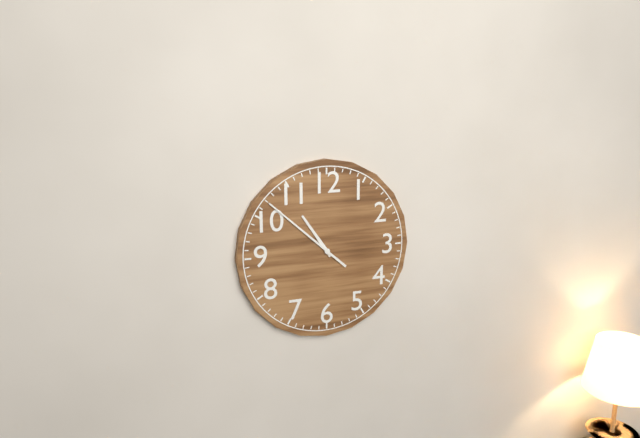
10h52
